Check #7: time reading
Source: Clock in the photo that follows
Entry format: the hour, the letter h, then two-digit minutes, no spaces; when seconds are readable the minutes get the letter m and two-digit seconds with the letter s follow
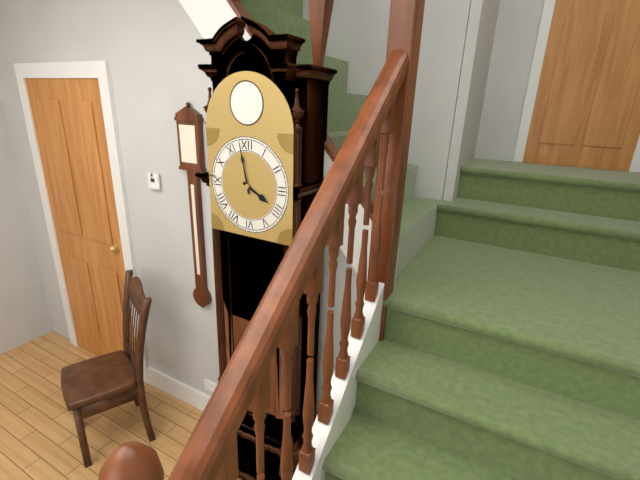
3h58
